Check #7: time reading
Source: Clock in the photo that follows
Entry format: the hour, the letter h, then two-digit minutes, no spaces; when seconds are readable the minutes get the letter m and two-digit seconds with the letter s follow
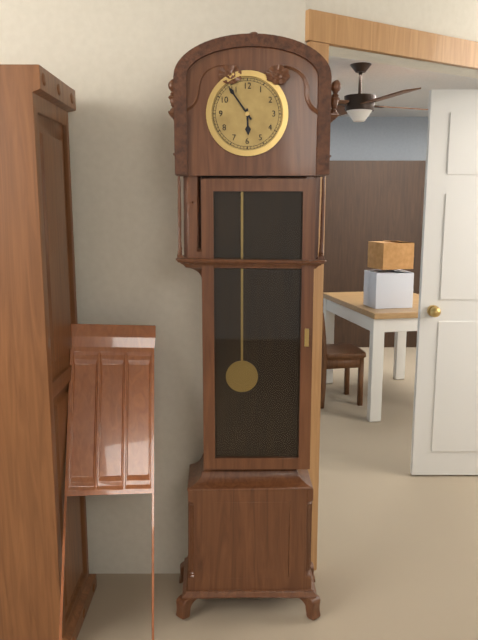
5h54
